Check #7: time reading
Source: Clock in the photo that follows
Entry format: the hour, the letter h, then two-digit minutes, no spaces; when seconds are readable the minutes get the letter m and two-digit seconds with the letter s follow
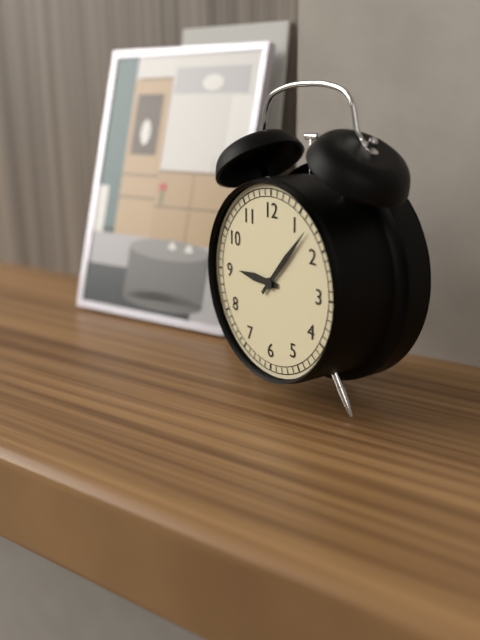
9h07
